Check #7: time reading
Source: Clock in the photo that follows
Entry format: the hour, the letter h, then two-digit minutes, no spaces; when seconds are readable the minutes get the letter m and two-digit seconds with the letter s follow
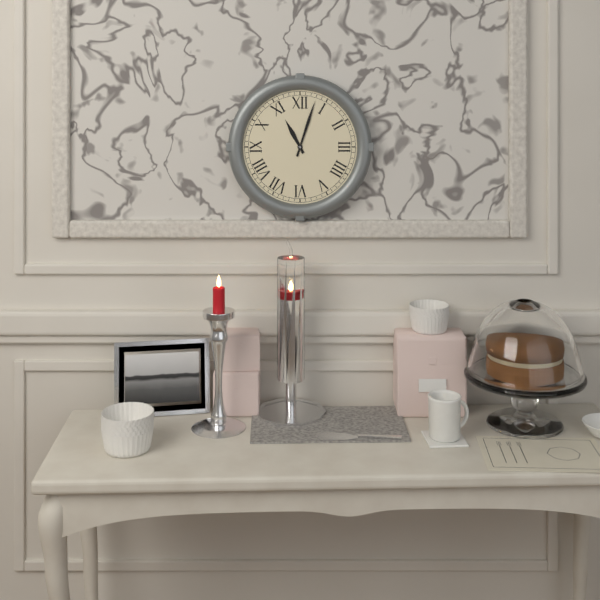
11h03
